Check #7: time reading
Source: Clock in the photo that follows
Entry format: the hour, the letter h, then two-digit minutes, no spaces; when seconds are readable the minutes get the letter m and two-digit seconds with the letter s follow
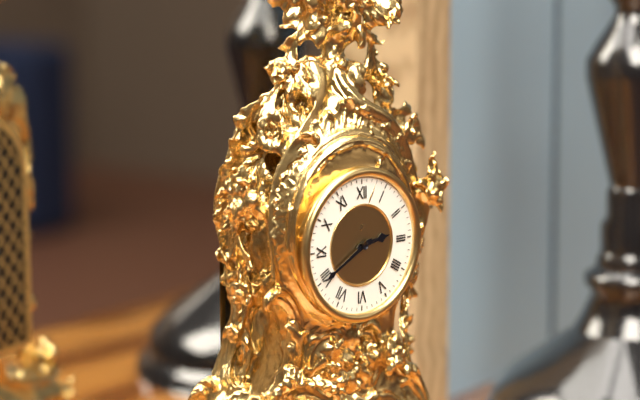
2h40
